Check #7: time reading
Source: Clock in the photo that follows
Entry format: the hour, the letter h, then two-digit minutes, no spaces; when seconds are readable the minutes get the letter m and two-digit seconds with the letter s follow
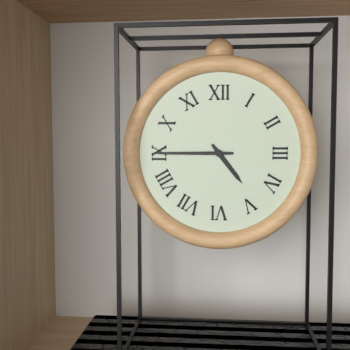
4h45
